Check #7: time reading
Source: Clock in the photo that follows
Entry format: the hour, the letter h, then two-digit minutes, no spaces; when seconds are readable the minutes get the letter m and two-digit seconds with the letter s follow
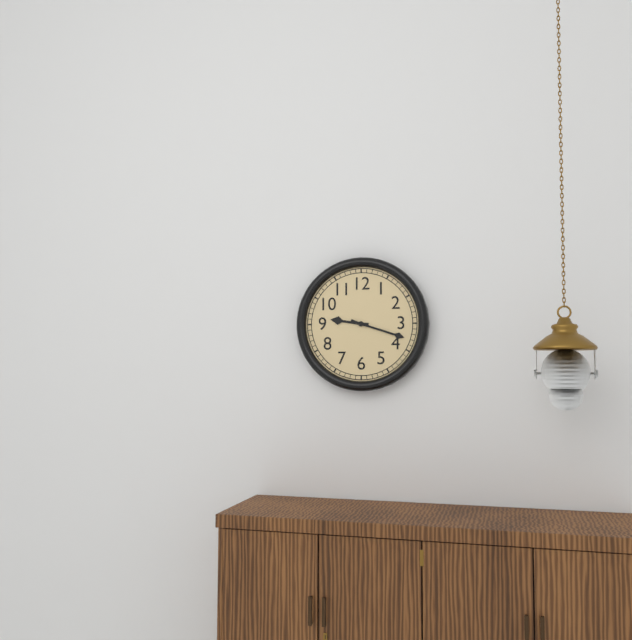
9h18
